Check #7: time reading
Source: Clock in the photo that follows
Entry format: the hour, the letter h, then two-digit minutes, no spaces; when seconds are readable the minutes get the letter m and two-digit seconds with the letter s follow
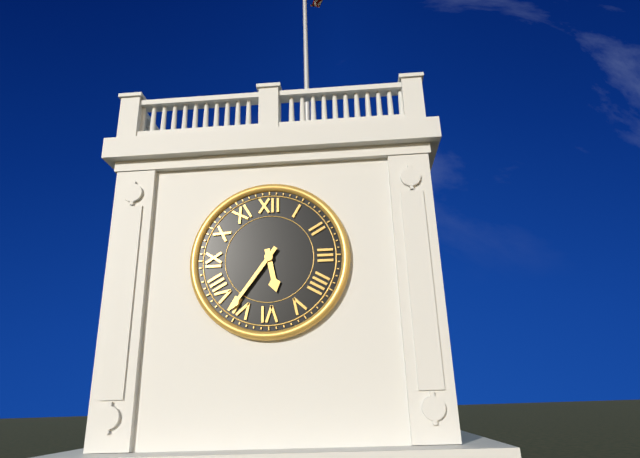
5h36
